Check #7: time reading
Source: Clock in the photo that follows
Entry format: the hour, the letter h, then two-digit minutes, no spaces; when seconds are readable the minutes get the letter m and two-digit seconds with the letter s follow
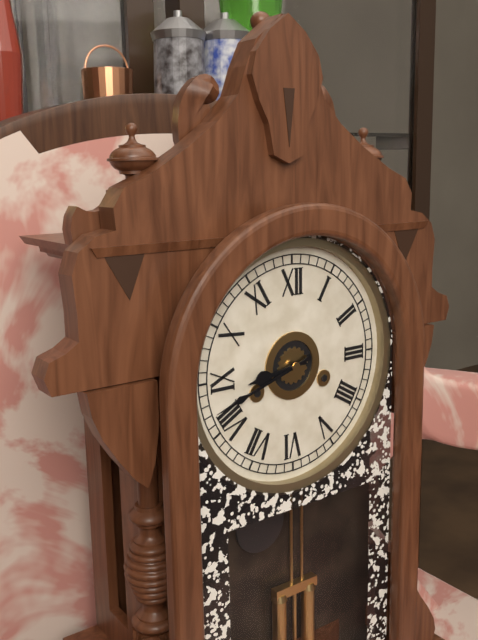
8h42
